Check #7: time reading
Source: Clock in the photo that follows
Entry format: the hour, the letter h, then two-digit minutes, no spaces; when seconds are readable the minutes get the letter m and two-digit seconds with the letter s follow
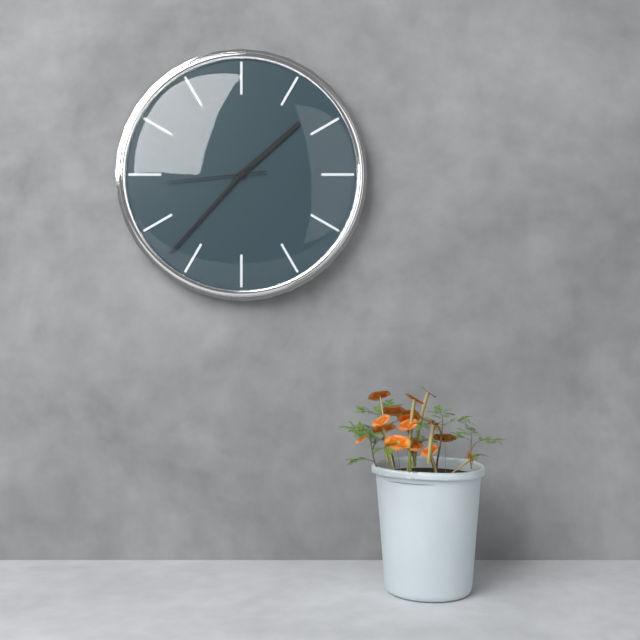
1h37m44s
